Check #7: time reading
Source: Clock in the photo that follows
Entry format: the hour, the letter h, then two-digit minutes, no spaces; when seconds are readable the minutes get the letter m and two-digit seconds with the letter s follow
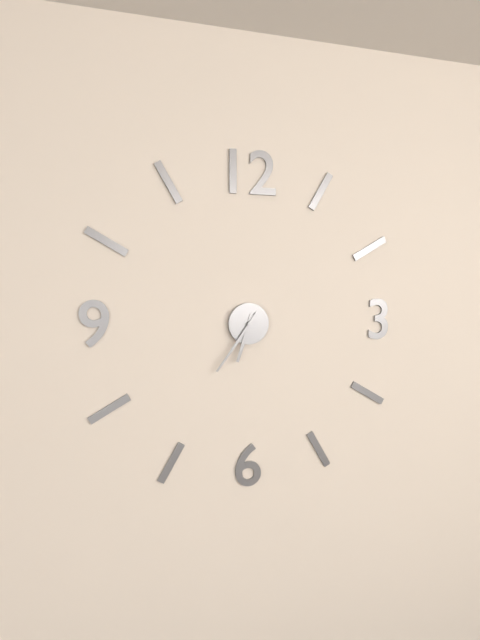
6h36
